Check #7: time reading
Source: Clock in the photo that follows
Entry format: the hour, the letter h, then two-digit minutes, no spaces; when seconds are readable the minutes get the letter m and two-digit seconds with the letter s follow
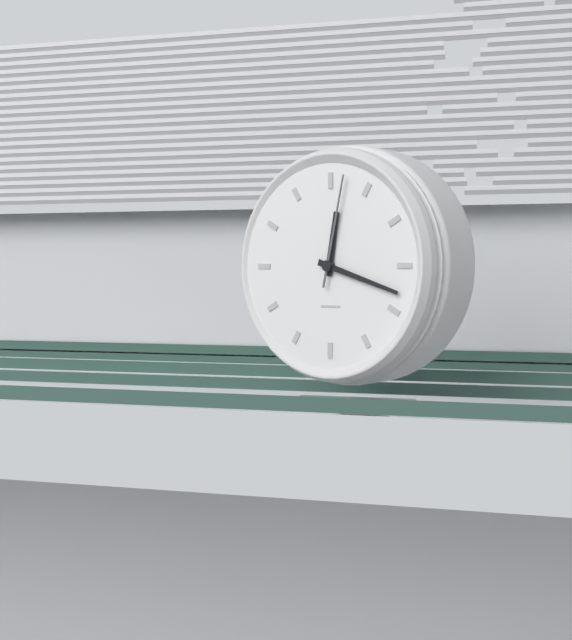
12h18m02s
